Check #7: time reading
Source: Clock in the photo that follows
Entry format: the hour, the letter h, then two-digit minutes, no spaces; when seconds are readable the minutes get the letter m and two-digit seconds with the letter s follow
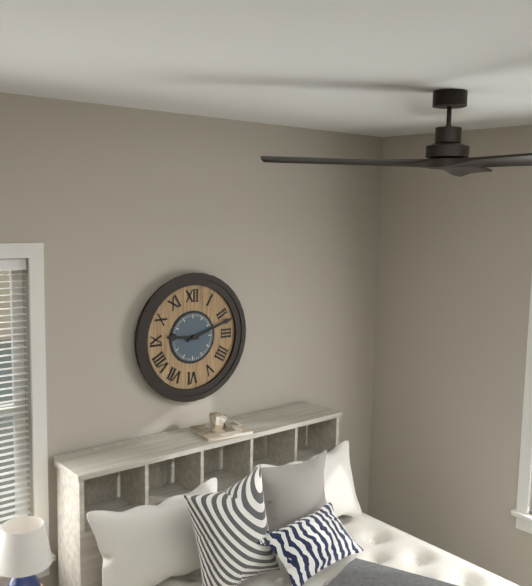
9h12
